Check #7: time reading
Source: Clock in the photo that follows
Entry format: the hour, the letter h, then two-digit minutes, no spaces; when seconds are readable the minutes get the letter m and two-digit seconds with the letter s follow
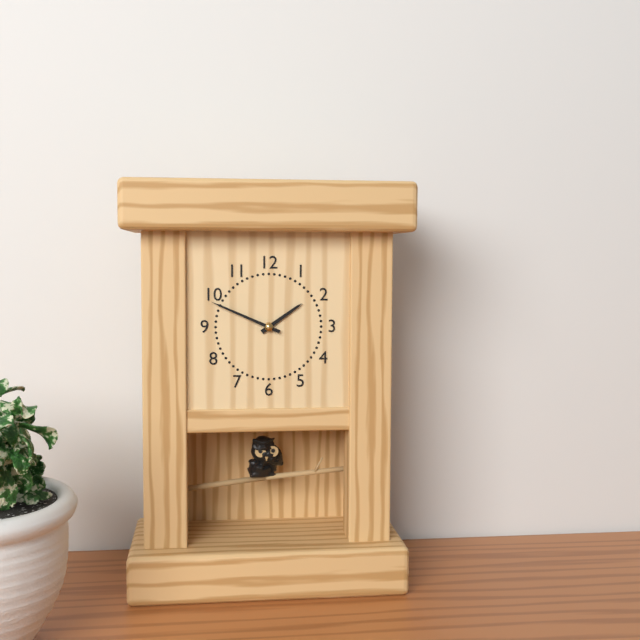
1h49
